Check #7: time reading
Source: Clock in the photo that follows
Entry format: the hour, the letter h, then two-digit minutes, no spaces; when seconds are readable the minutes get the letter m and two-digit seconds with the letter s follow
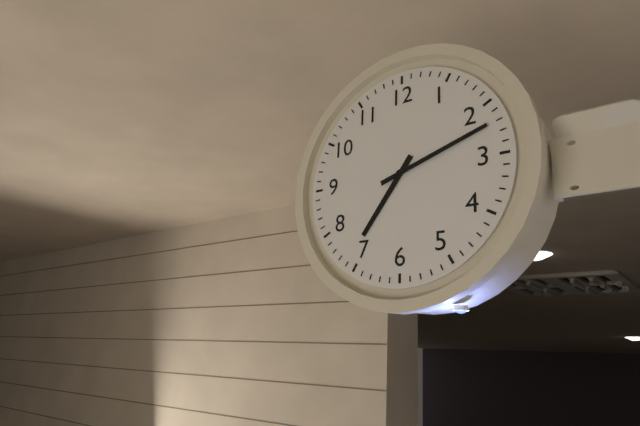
7h12
